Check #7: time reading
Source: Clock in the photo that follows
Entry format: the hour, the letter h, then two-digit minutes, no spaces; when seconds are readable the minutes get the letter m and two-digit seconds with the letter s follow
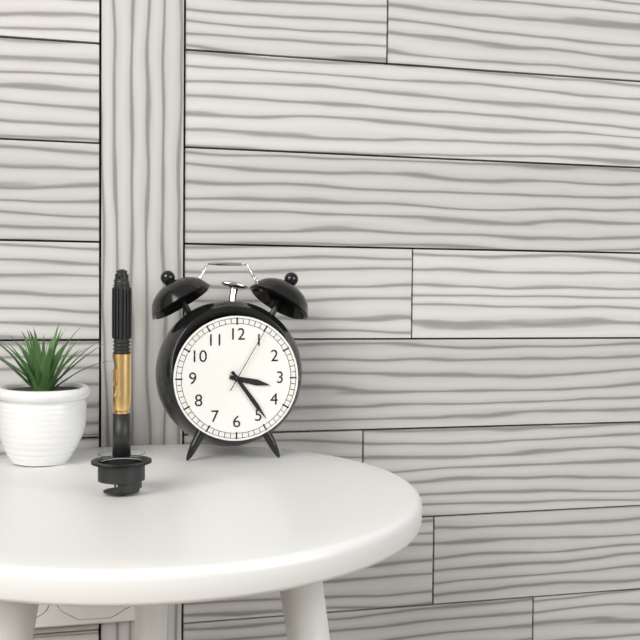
3h24m05s
